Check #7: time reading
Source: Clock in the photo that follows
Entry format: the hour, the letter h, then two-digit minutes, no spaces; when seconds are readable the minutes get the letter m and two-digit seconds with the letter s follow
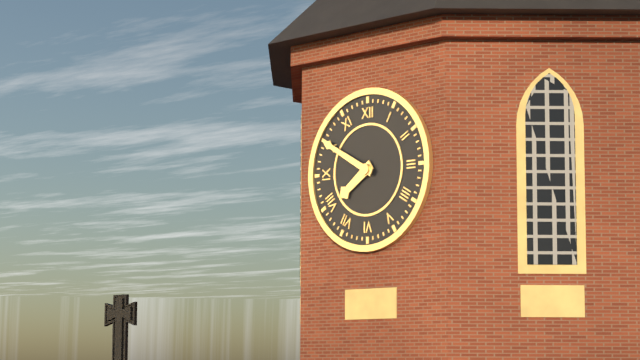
7h50
